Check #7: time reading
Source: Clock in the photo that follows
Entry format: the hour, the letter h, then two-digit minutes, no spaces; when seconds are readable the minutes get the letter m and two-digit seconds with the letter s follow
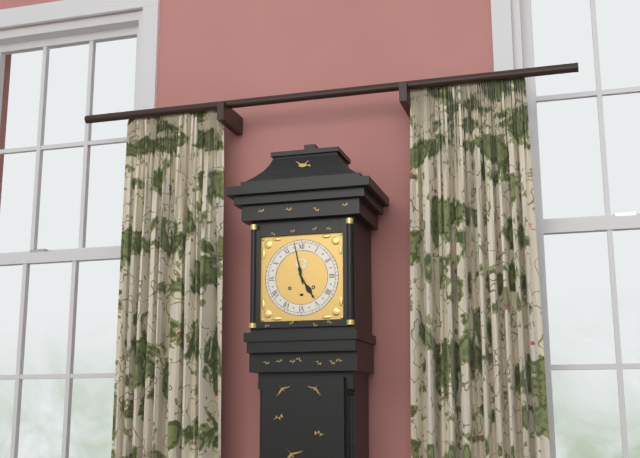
4h58
